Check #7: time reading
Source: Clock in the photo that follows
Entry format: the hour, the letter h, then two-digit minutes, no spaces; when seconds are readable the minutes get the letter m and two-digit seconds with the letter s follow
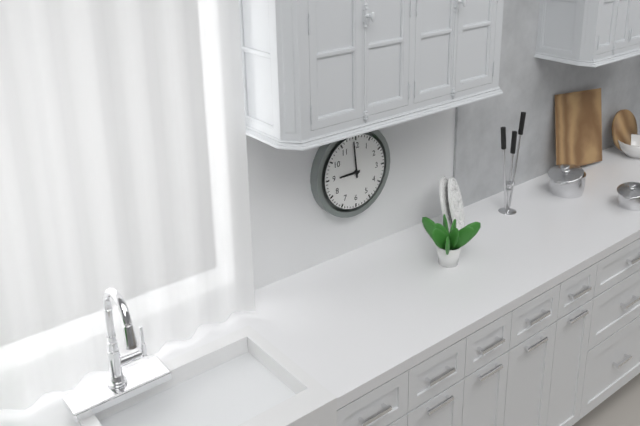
8h59
